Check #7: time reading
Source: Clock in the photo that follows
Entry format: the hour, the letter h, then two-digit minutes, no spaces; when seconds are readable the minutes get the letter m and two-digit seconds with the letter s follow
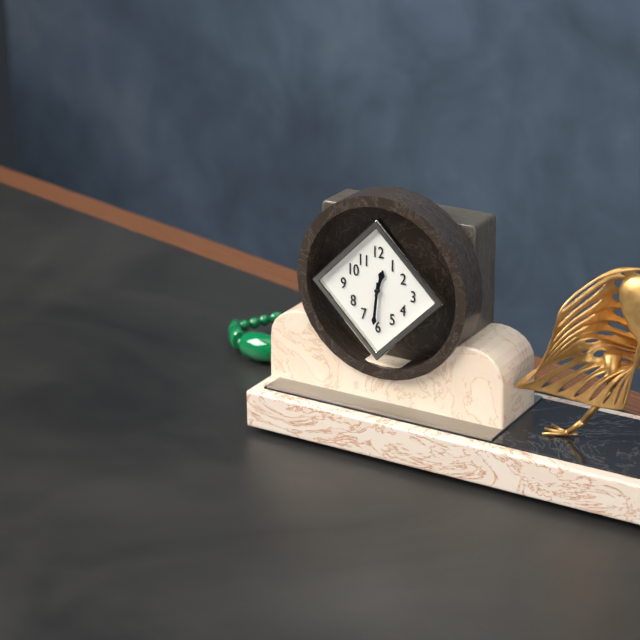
12h31
